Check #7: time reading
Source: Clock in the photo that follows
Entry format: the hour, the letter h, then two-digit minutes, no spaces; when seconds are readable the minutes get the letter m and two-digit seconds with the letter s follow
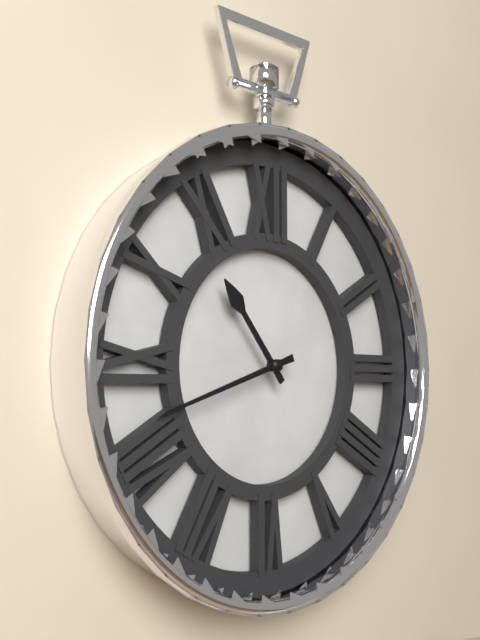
10h42
